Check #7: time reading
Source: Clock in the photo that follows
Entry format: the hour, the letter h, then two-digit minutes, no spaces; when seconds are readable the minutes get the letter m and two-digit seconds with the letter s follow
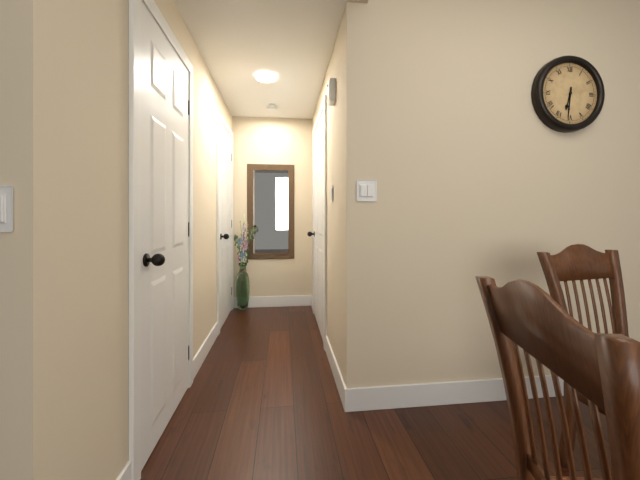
6h31
